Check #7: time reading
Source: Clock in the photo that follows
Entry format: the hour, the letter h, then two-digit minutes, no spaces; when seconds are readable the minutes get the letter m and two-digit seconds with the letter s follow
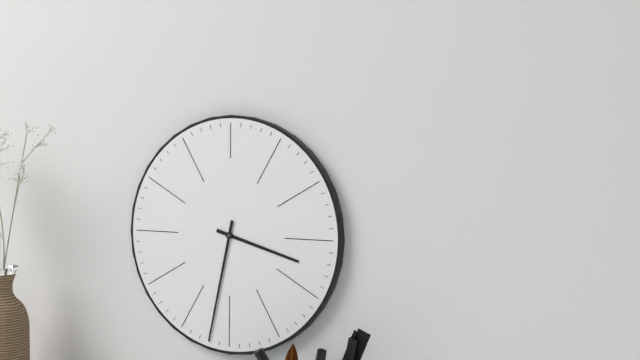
3h32
